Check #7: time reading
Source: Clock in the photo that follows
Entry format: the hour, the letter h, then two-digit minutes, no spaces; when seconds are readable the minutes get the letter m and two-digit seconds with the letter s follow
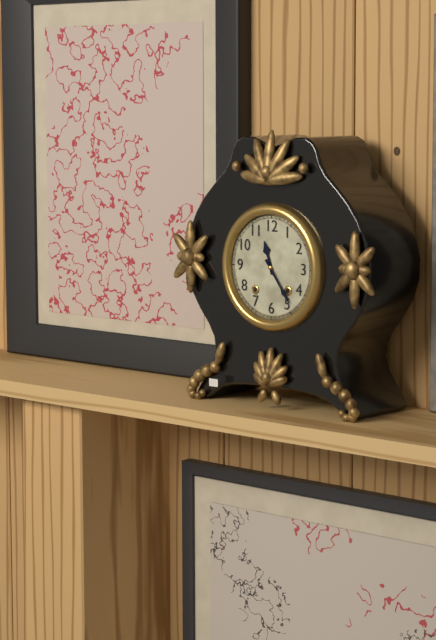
11h24
